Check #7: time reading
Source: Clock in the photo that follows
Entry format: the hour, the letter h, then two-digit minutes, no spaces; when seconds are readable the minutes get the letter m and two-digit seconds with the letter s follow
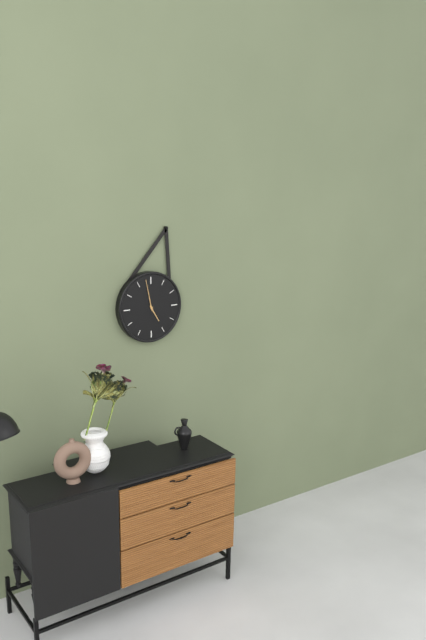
4h58
